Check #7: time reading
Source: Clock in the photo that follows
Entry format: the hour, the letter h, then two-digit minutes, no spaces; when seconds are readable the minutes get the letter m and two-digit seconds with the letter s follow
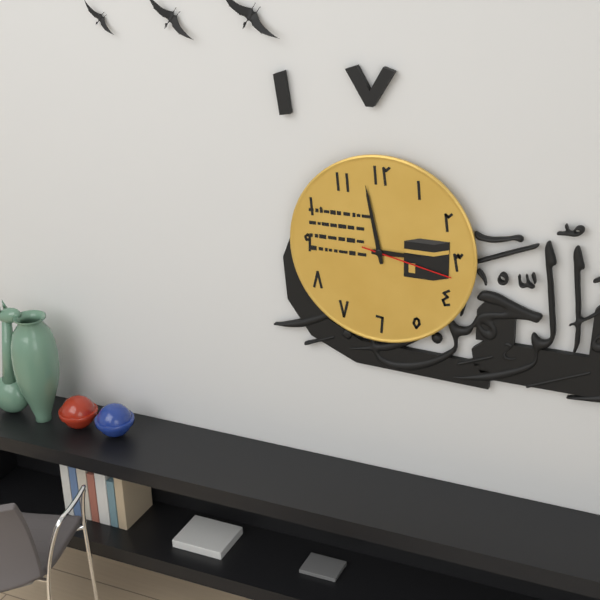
2h58m17s
